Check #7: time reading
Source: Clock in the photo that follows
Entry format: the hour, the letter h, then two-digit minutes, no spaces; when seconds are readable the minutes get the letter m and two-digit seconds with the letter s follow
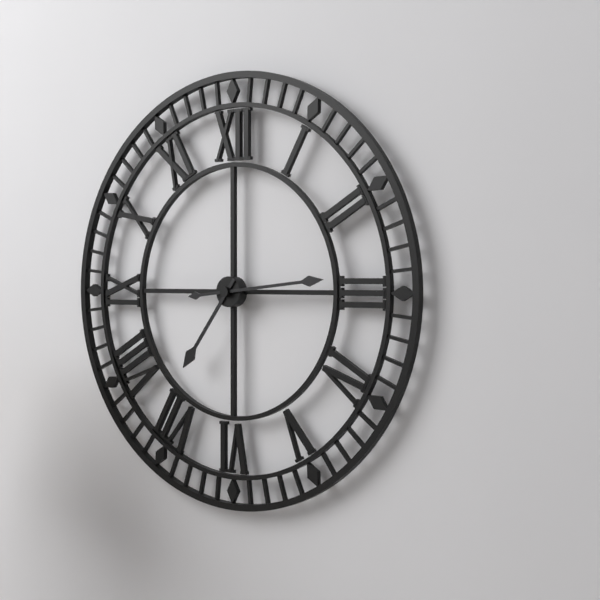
7h14
